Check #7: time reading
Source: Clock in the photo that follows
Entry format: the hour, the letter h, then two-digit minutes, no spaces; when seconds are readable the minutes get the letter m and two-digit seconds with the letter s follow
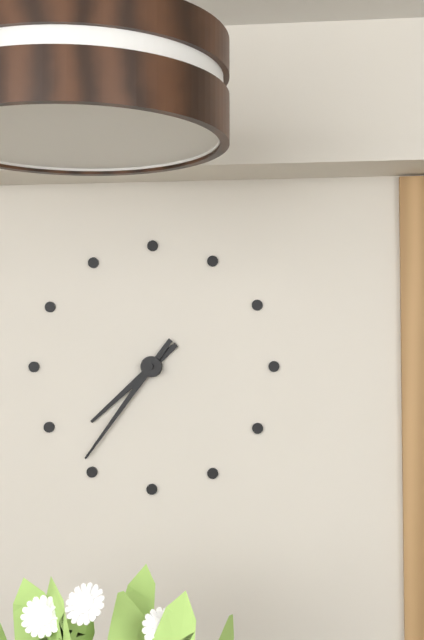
7h36
